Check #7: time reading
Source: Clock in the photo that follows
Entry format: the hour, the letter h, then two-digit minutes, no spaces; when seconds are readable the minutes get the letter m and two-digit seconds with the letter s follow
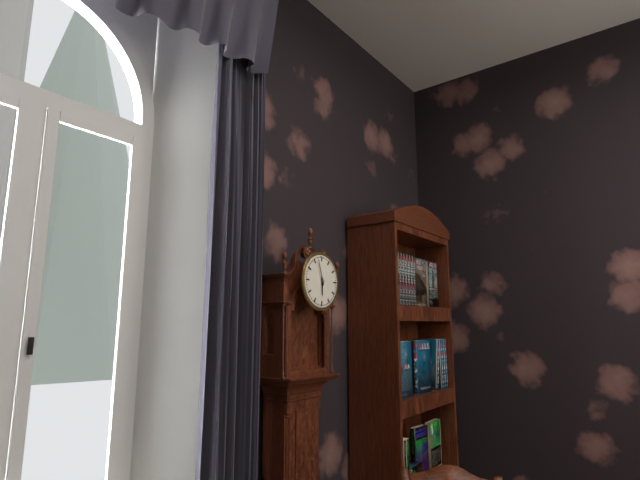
5h57
